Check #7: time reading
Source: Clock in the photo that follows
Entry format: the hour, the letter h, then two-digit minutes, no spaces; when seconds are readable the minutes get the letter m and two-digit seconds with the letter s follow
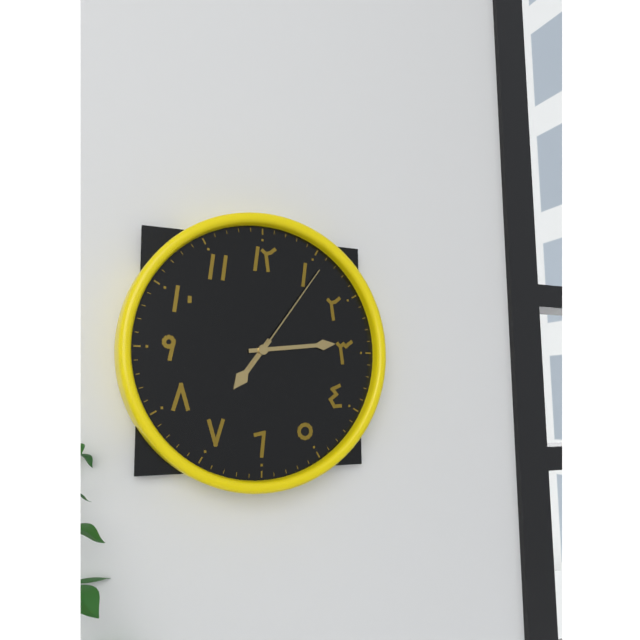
7h14m06s
